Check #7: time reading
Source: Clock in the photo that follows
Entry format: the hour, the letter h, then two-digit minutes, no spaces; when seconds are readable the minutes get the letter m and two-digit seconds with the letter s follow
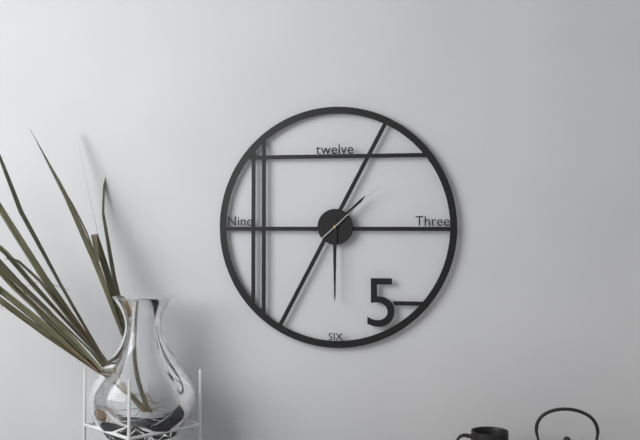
1h30m08s
